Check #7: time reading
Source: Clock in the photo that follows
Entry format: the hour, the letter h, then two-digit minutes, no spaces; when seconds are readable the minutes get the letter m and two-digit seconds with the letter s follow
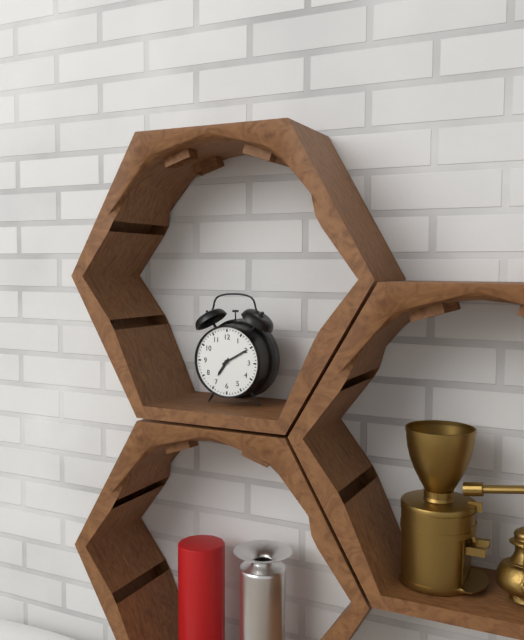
7h10
